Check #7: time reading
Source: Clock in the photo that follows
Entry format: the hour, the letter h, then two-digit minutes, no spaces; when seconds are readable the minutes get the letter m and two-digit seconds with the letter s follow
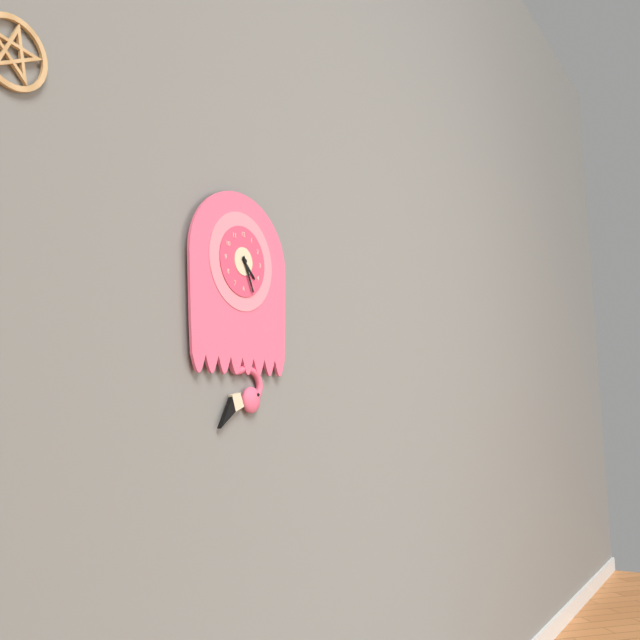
4h26
